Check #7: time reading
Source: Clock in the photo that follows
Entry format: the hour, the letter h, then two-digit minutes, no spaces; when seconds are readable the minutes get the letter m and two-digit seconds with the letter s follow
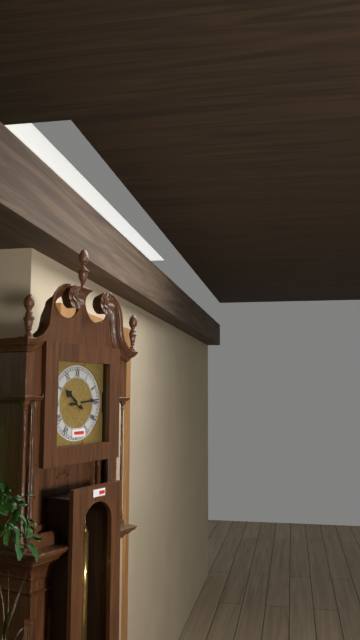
10h14
